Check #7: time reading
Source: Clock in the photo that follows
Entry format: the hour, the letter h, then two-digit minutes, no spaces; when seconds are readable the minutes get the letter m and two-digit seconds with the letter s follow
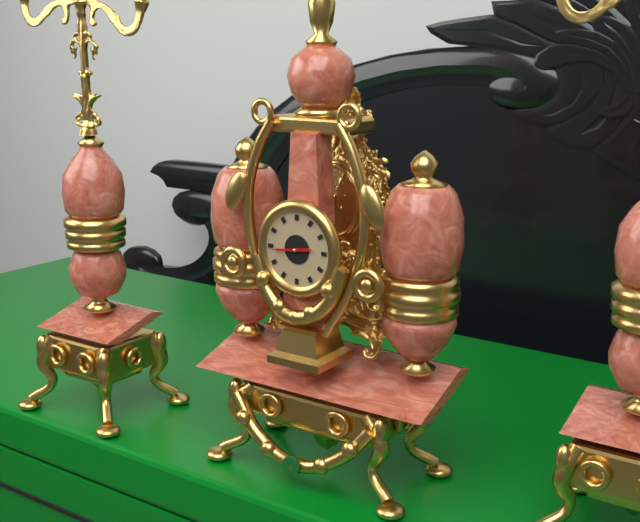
2h44
